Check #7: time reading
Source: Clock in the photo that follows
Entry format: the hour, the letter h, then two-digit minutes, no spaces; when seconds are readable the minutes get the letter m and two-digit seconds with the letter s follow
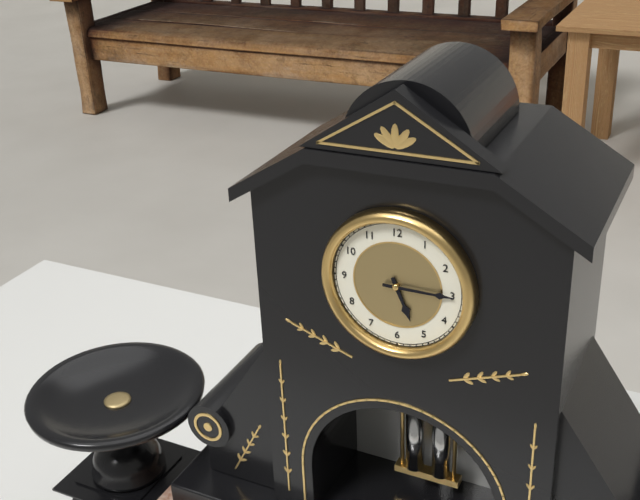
5h15
